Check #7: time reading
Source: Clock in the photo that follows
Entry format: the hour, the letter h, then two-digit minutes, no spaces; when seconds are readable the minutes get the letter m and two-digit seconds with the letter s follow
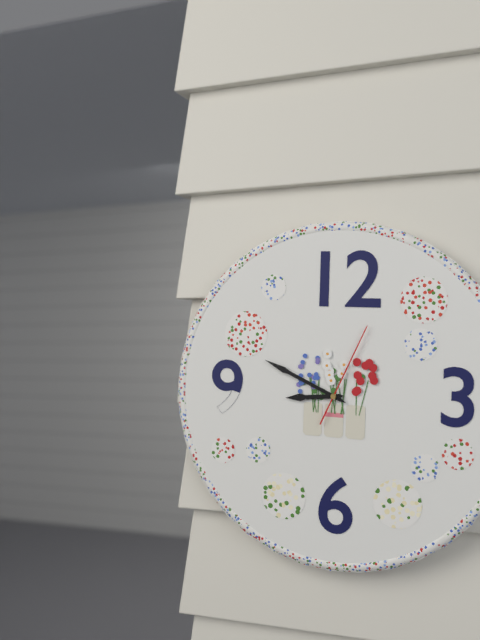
8h49m04s
